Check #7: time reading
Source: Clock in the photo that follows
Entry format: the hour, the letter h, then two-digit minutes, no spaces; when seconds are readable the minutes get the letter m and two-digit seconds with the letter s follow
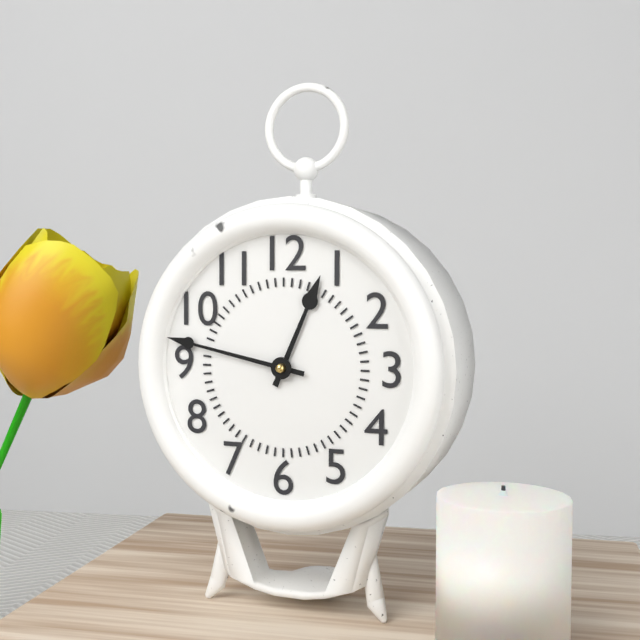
12h47
